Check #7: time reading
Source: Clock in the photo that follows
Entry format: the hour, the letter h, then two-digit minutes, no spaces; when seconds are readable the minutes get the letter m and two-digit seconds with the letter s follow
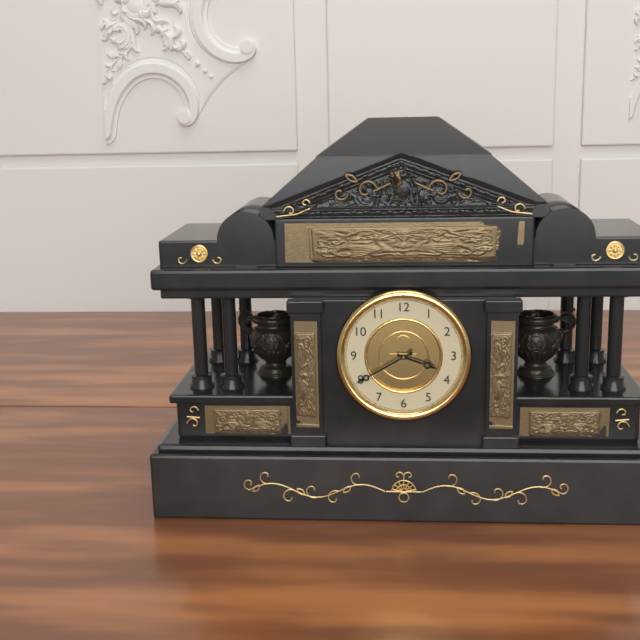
3h40
